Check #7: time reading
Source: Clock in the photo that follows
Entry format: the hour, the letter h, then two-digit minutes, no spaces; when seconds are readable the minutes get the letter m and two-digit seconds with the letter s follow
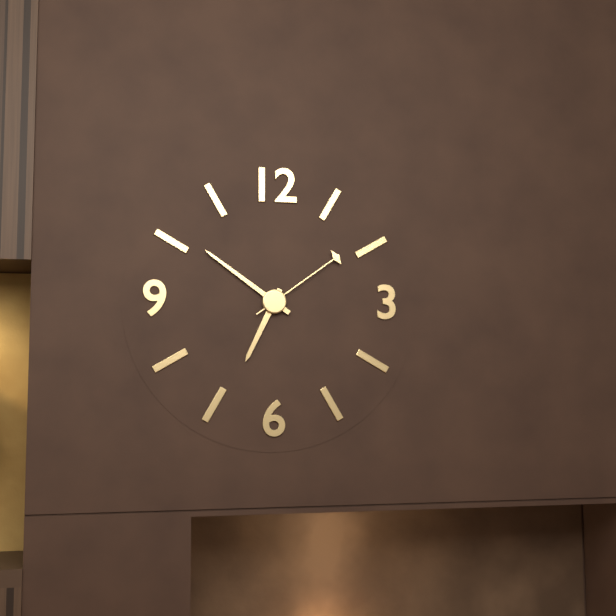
6h51m09s
